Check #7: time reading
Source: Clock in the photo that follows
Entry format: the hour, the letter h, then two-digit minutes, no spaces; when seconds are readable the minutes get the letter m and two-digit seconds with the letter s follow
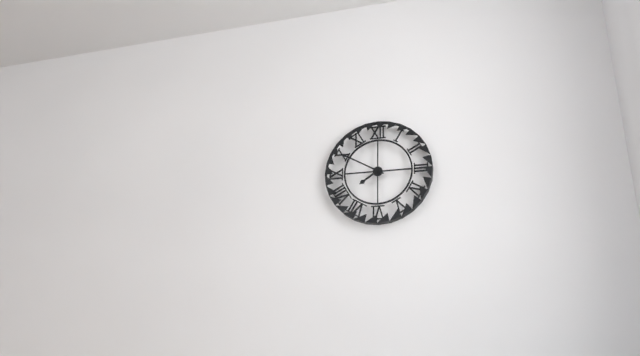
7h50
